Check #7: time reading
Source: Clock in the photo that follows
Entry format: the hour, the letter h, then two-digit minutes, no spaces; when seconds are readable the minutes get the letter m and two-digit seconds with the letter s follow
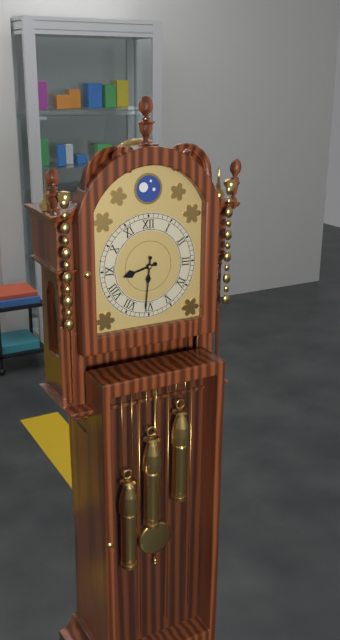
8h31
